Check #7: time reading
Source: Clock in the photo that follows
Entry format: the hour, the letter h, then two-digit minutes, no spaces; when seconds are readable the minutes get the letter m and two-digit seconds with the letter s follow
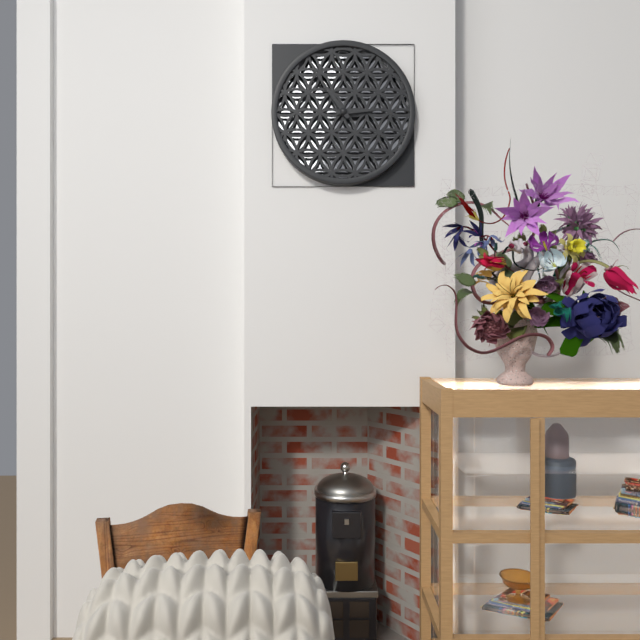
2h54
